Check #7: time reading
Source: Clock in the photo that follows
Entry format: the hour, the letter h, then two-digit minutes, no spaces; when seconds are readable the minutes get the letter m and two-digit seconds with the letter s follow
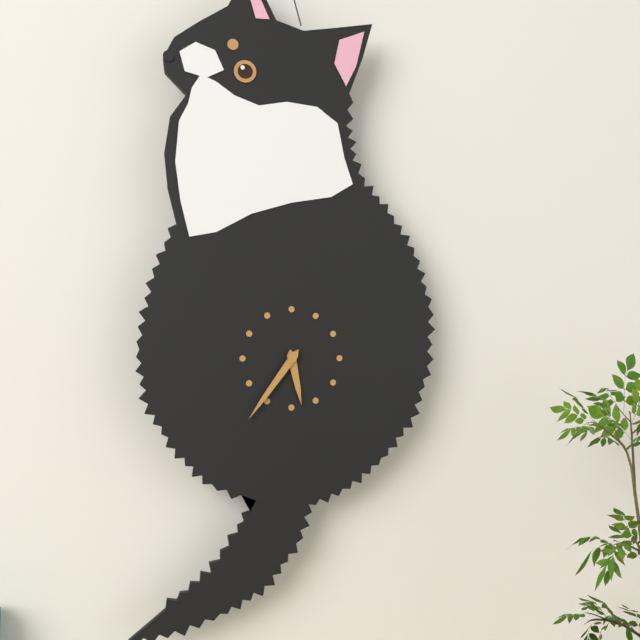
5h36
